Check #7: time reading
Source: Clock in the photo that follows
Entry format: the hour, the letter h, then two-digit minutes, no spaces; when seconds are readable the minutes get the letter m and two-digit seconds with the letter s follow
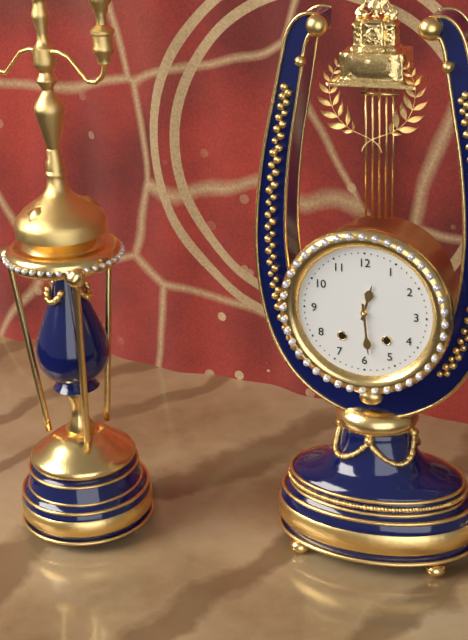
12h29
